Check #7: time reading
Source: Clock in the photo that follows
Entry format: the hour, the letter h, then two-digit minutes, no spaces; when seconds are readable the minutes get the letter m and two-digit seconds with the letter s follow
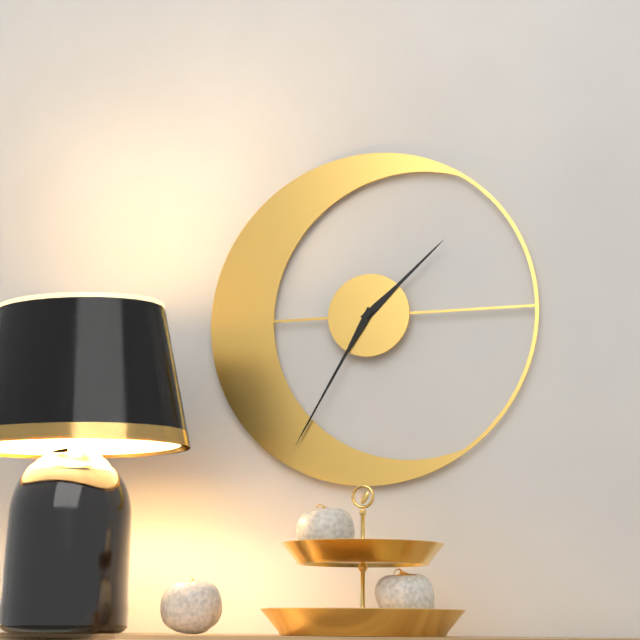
1h35
